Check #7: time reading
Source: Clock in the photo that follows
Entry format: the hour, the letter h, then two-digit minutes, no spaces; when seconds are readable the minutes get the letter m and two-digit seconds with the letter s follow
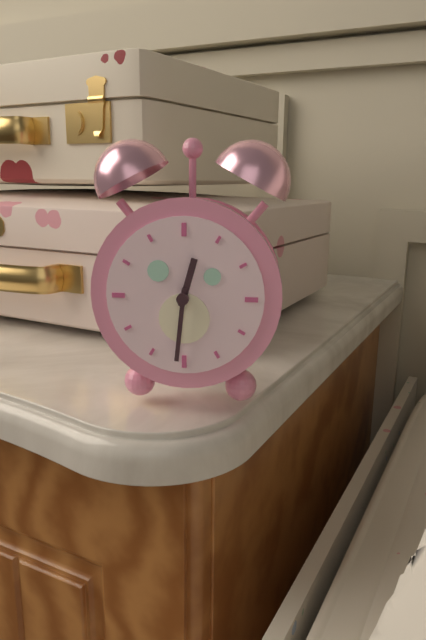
12h31
